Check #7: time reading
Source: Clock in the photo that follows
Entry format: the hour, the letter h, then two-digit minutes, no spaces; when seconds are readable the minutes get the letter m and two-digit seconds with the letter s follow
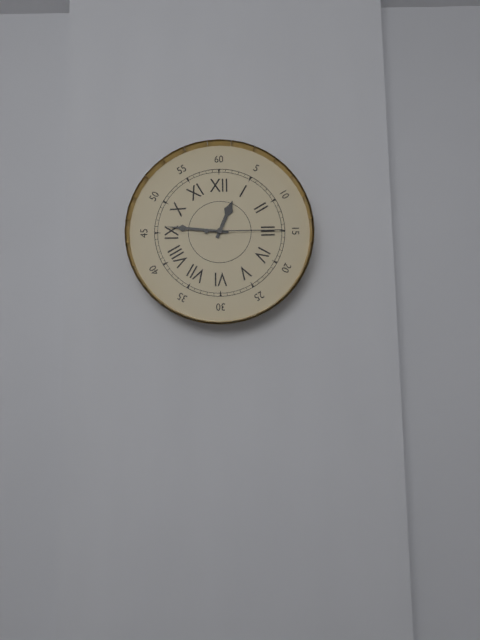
12h46m15s
